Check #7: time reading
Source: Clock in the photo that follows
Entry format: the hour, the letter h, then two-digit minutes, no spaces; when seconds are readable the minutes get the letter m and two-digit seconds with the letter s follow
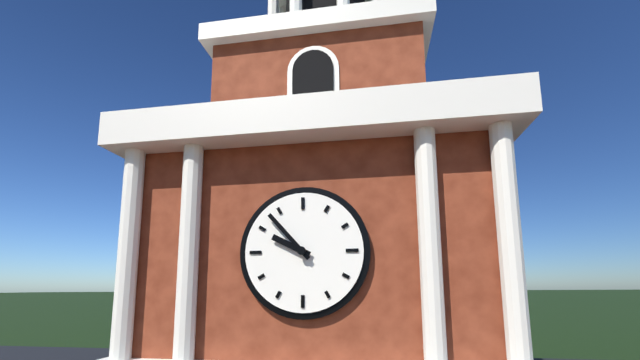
9h53
